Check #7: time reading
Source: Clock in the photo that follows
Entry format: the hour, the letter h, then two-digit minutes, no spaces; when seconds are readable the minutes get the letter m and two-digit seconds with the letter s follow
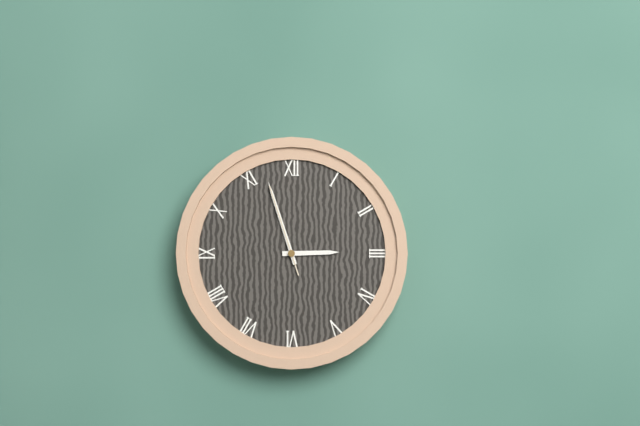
2h57m57s
